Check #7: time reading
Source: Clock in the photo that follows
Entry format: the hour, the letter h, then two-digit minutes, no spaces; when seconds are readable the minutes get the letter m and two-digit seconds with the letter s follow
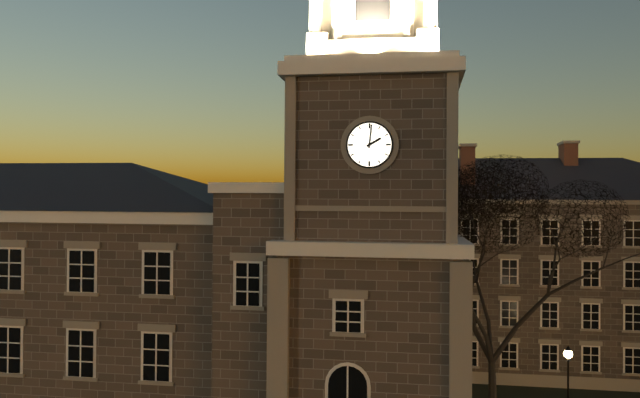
2h01
